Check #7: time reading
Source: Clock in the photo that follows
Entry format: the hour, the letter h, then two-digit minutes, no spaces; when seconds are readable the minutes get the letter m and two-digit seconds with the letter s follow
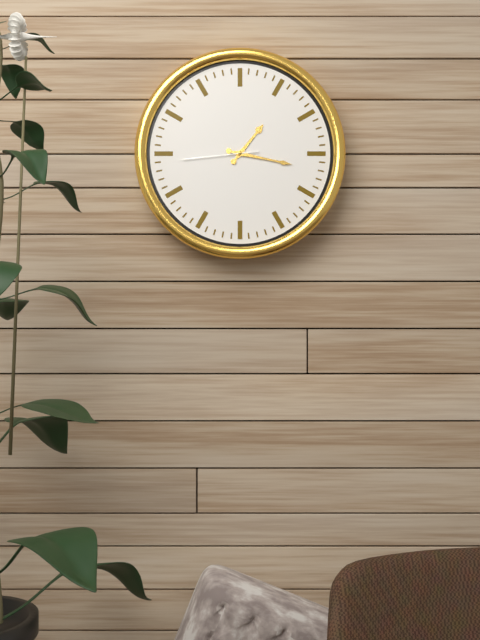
1h17m44s
